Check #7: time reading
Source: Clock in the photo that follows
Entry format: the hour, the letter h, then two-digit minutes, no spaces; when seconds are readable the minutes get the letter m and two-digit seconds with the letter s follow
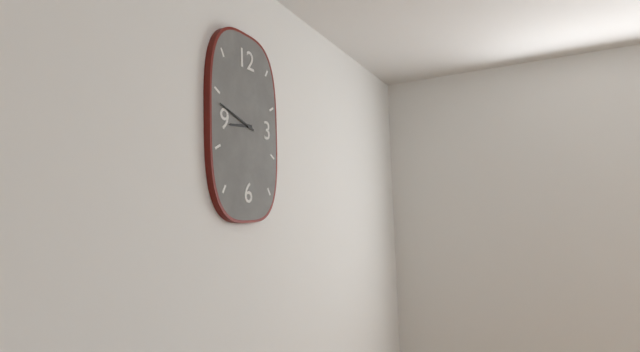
8h48
